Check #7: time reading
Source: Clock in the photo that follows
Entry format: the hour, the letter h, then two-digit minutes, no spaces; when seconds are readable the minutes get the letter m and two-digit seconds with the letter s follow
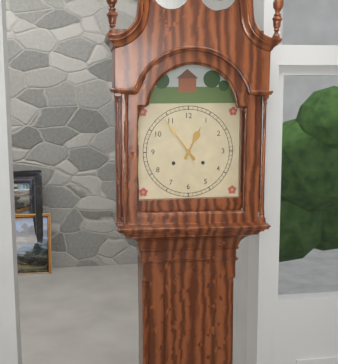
12h54
